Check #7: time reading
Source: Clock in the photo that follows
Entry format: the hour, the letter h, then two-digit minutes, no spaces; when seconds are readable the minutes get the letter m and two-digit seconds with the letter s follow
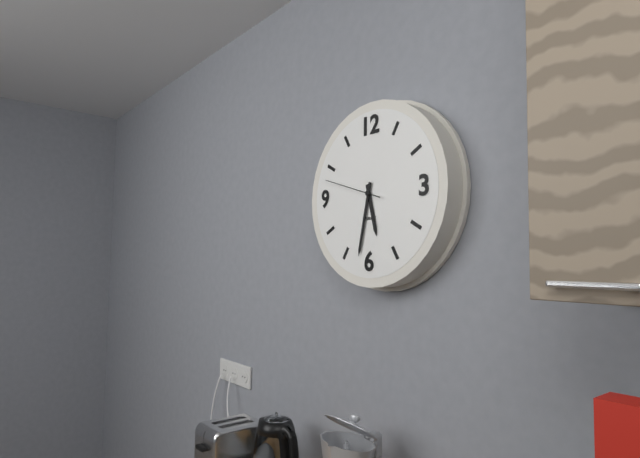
5h32m48s
